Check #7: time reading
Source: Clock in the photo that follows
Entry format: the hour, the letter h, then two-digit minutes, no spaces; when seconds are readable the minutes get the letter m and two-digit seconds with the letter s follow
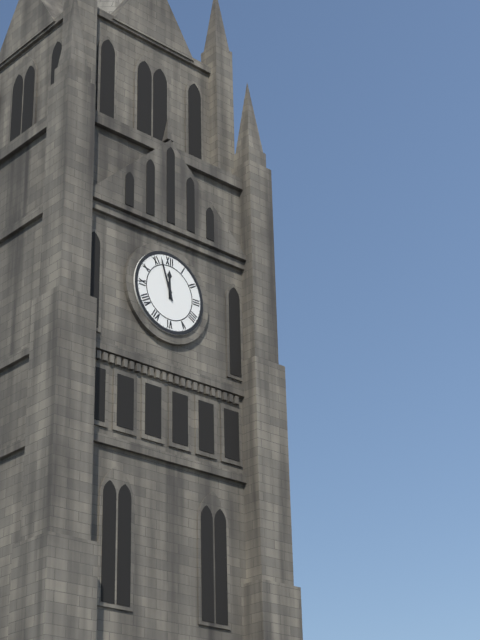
11h57
